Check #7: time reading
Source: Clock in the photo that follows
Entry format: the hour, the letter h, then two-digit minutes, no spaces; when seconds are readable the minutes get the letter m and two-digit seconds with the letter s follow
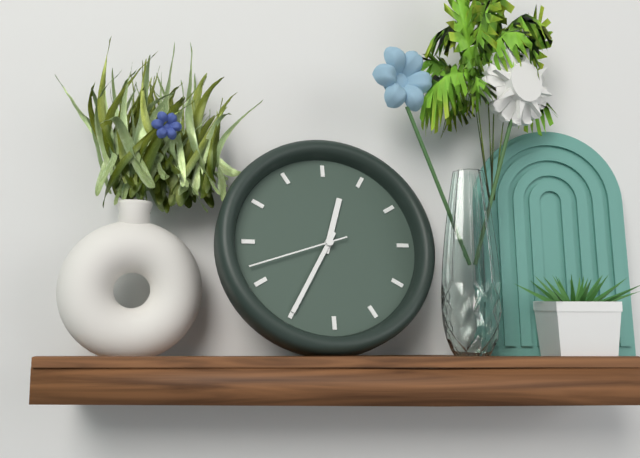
12h35m42s
